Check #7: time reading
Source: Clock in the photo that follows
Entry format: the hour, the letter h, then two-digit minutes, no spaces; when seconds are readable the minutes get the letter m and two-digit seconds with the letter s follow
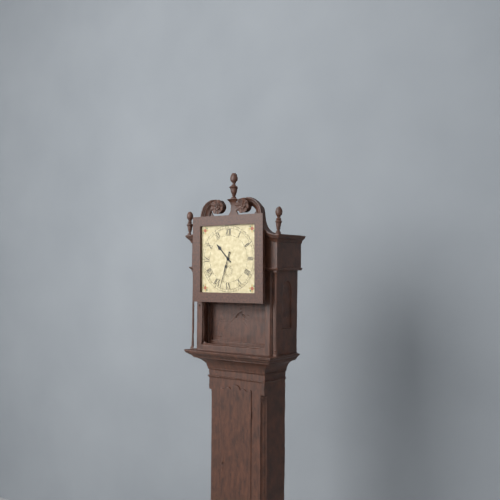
10h33
